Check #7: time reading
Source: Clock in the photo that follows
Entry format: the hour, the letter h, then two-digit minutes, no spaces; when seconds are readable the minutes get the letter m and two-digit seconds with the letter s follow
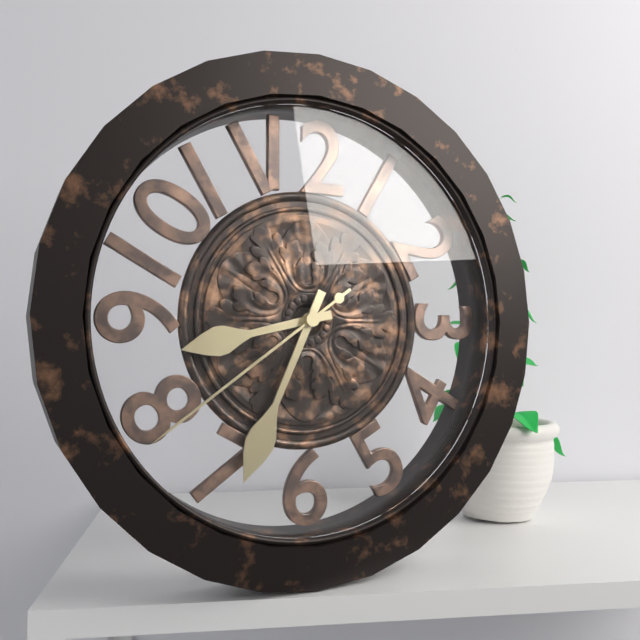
8h34m39s
